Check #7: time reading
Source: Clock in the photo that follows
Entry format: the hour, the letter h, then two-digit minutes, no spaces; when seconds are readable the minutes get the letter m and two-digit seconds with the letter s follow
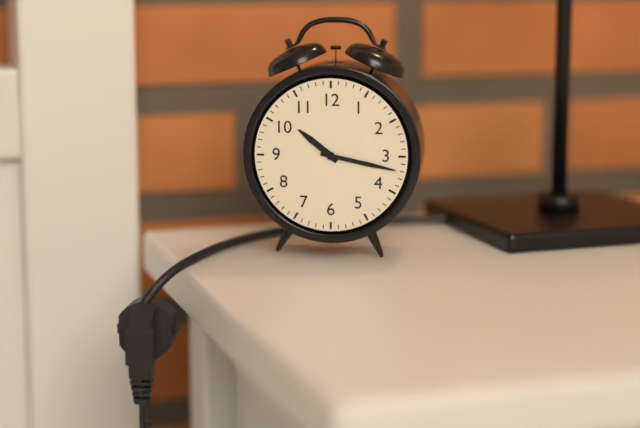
10h17
